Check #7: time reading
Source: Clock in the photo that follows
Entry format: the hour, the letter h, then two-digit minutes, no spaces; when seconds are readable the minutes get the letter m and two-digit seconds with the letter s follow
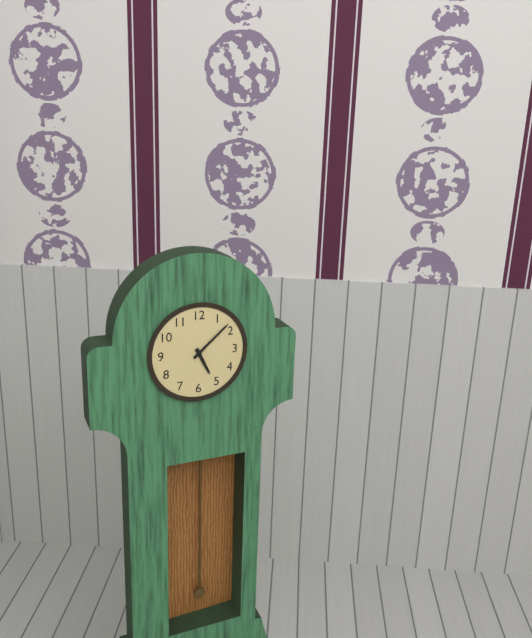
5h08
